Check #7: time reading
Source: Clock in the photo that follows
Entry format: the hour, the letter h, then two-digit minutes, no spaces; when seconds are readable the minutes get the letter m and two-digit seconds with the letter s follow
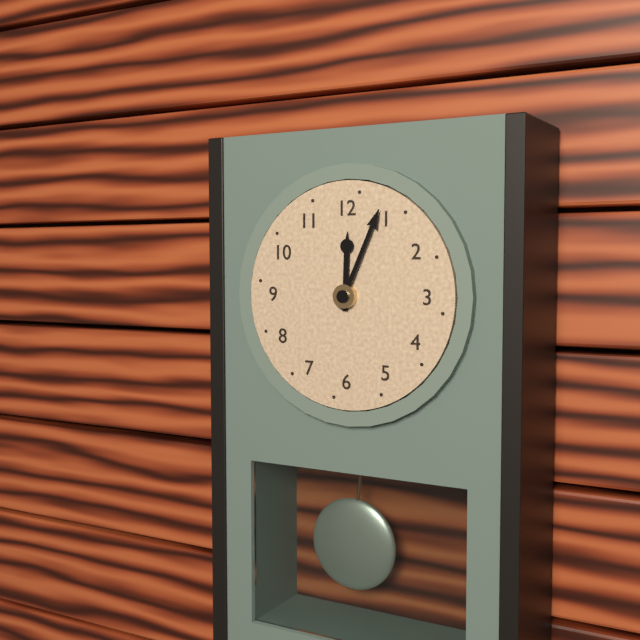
12h04
